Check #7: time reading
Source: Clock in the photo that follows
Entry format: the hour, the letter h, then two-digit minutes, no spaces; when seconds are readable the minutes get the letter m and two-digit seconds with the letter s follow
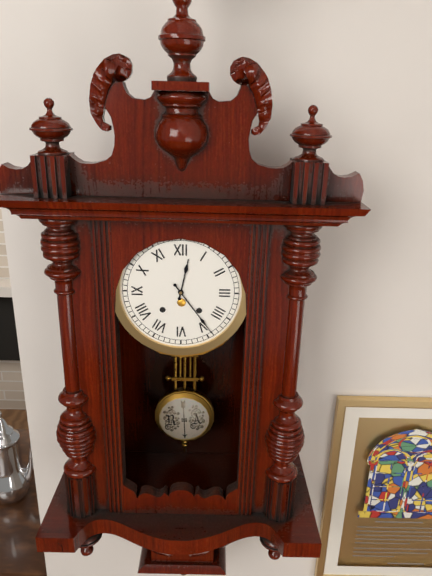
12h24
